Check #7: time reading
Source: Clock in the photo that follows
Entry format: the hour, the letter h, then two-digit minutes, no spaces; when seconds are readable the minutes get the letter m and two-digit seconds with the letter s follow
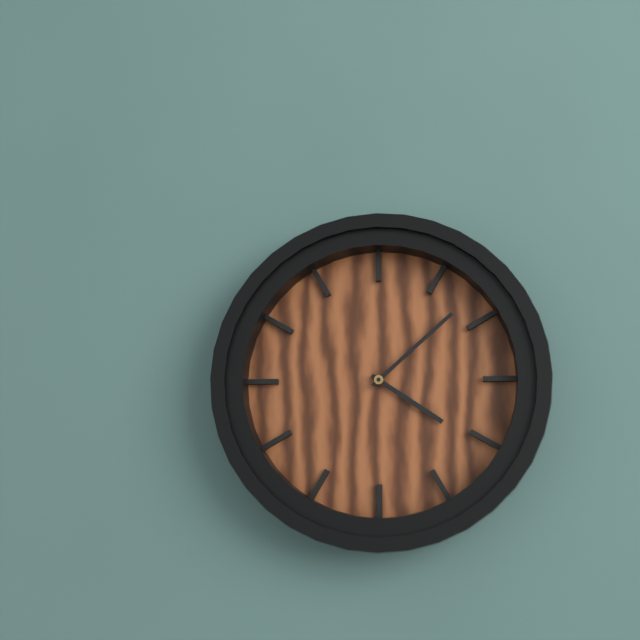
4h08
